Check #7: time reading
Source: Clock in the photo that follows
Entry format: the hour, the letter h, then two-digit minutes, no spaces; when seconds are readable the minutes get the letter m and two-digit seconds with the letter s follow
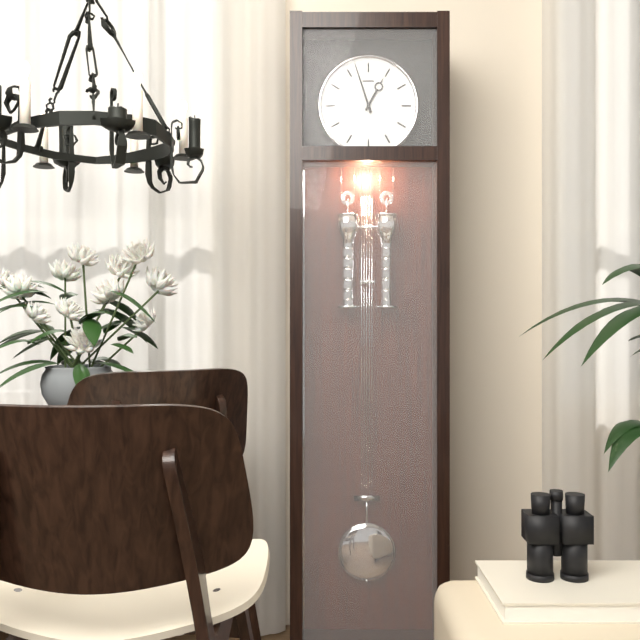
12h57
